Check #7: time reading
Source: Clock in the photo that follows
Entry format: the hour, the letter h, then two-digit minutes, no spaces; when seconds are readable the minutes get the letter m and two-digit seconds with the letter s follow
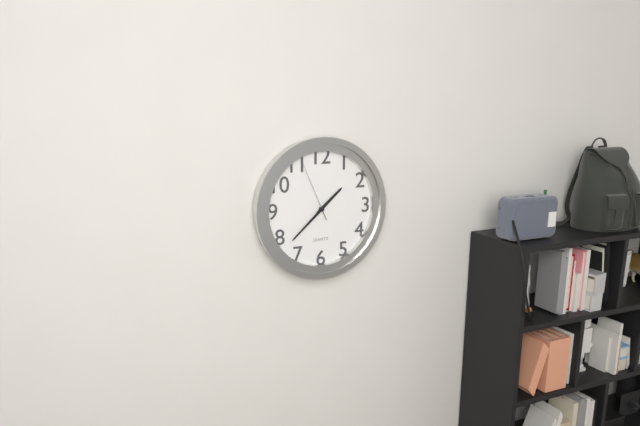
1h38m56s
